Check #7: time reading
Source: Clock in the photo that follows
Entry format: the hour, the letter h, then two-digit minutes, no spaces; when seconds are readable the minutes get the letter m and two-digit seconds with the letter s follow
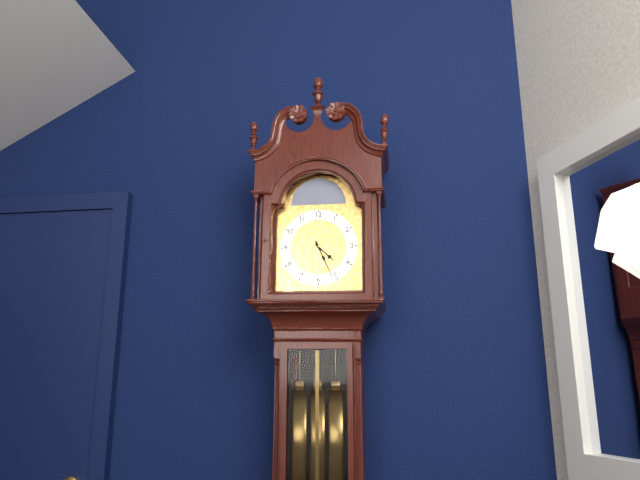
4h26
